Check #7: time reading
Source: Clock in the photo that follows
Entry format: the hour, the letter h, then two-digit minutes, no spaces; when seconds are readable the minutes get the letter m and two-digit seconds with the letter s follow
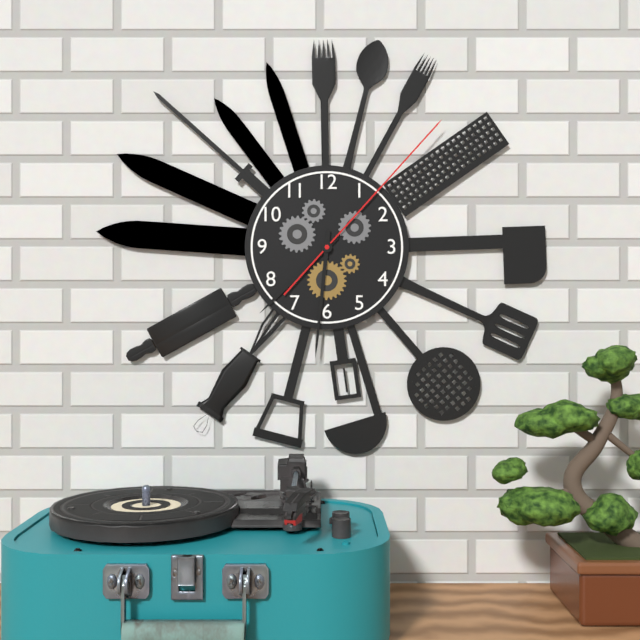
7h31m07s
